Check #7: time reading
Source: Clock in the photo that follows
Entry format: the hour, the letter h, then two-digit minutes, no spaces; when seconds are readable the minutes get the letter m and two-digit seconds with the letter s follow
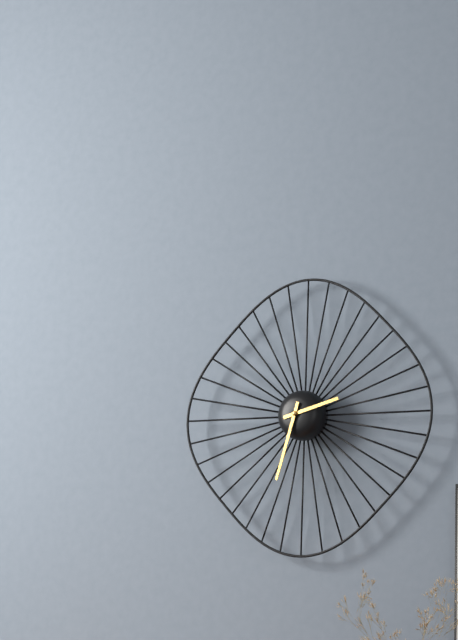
2h33
